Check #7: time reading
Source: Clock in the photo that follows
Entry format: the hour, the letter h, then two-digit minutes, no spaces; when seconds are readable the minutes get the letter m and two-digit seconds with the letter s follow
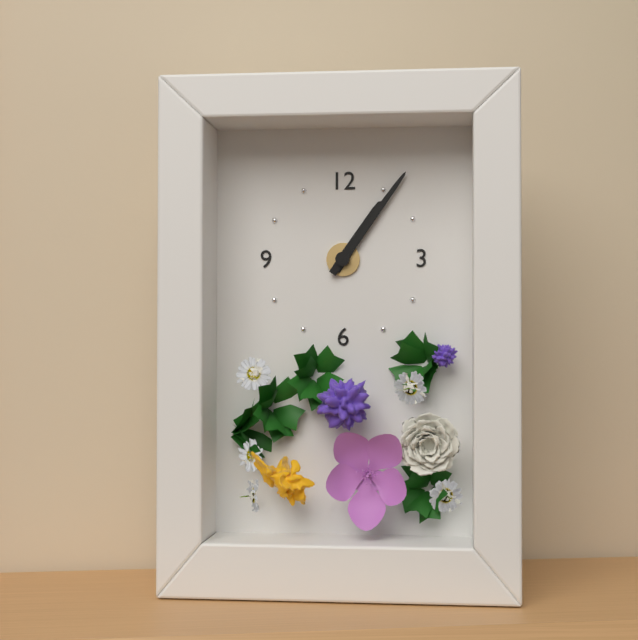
1h06
